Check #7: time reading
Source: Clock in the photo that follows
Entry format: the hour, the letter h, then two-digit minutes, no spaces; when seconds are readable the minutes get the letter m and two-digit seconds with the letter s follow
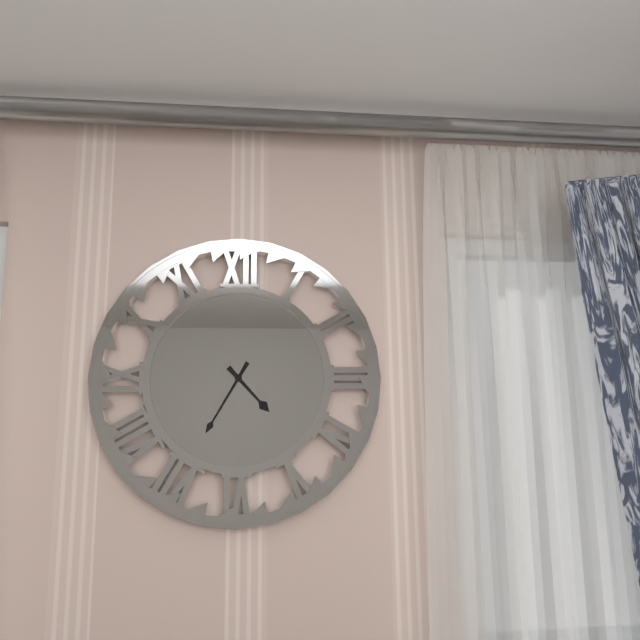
4h35
